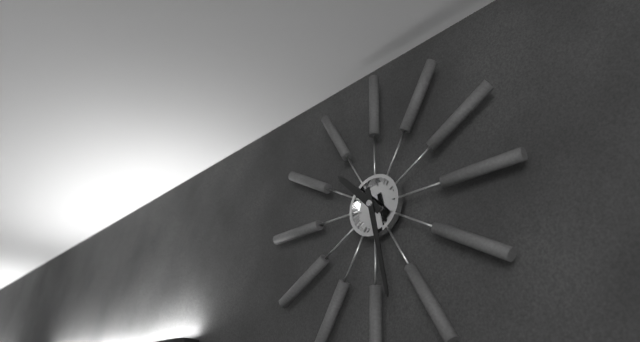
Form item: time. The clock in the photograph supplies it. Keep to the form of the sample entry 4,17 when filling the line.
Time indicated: 10,28
